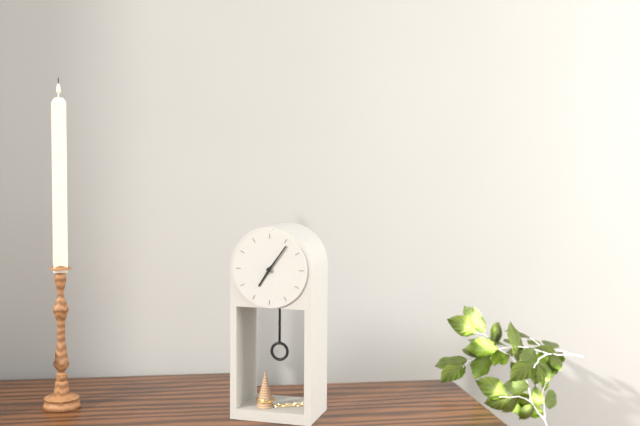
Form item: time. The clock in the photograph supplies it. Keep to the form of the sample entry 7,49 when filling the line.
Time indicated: 7,06
